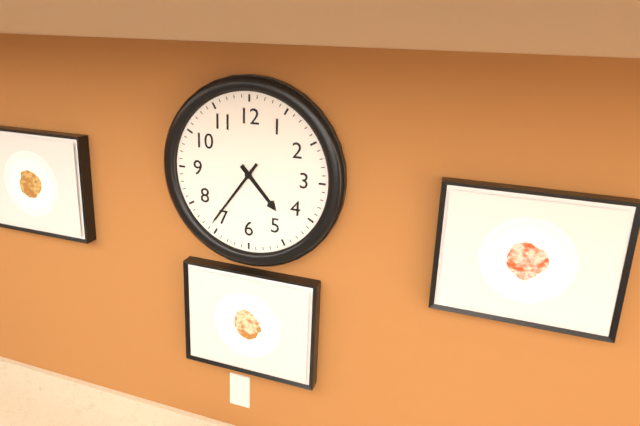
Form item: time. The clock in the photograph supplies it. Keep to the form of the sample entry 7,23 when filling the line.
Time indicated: 4,36
